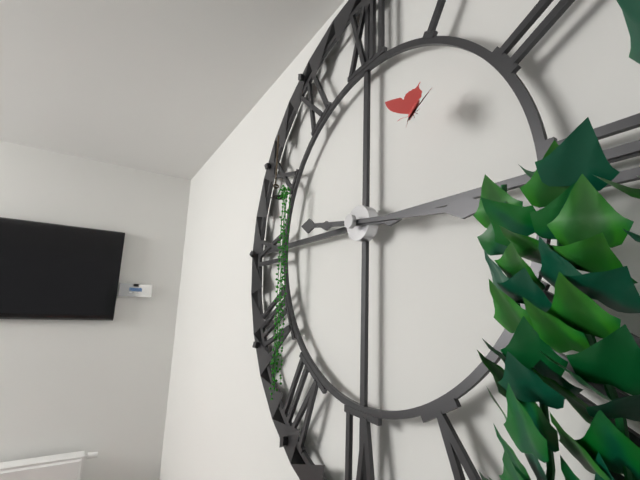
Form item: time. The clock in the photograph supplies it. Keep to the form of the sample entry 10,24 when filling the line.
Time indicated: 9,16
